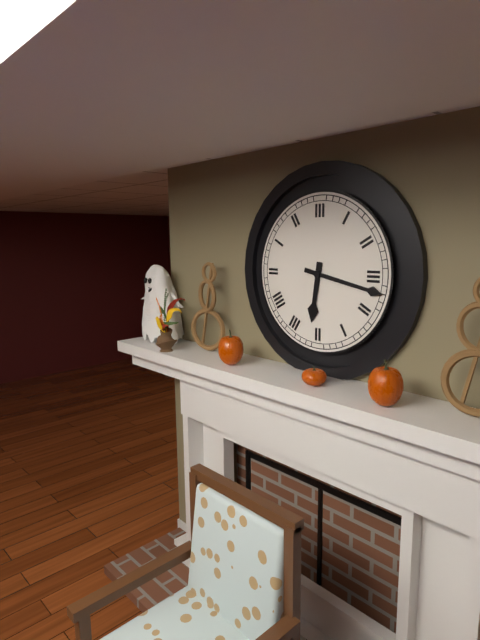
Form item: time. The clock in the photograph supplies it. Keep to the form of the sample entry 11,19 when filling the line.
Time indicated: 6,17
